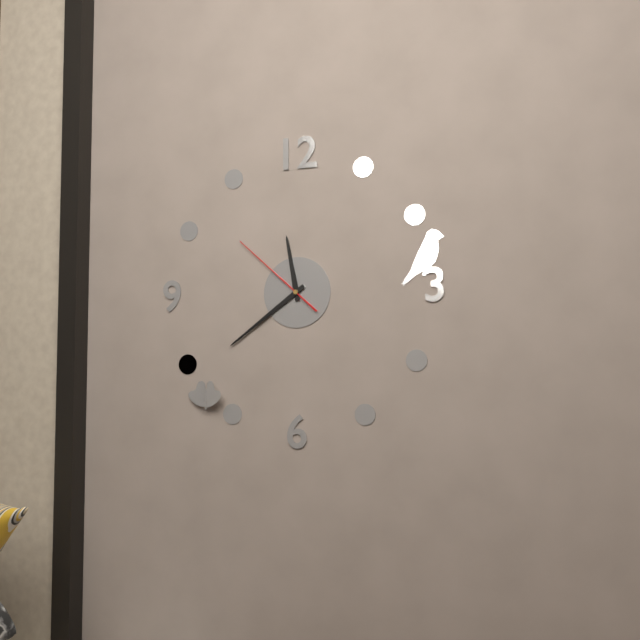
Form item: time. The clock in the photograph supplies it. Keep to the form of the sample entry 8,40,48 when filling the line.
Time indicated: 11,39,52
